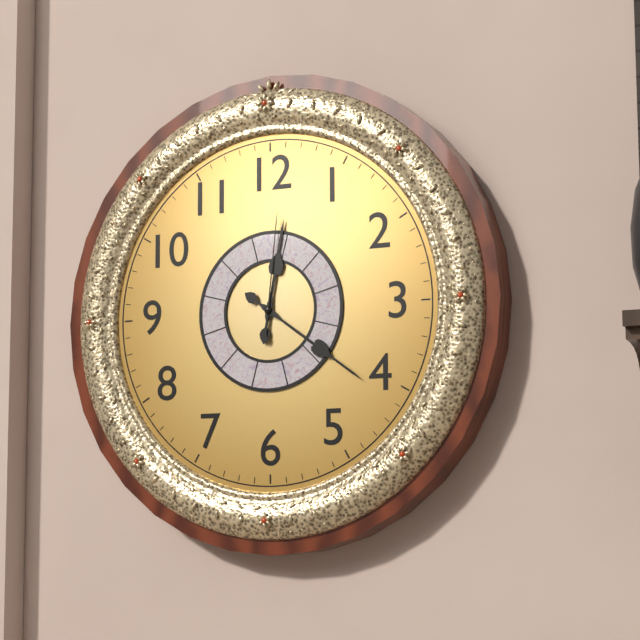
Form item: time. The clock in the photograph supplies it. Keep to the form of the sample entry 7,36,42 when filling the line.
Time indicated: 12,21,01
